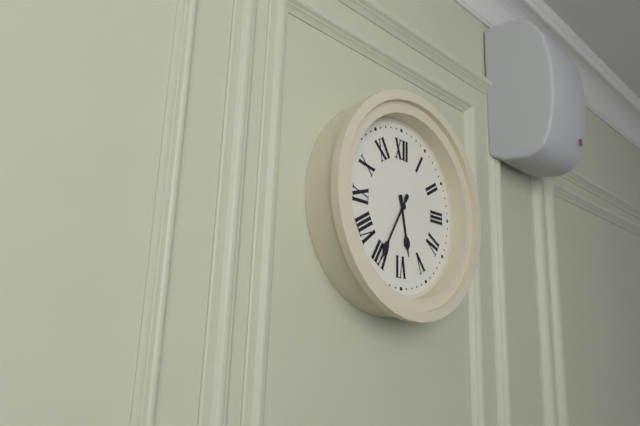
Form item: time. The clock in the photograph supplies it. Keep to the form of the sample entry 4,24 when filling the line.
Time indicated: 5,35
